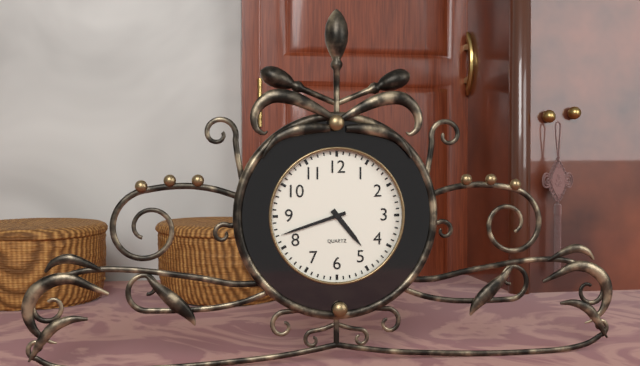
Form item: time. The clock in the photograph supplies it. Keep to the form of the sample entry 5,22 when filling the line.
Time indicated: 4,42
